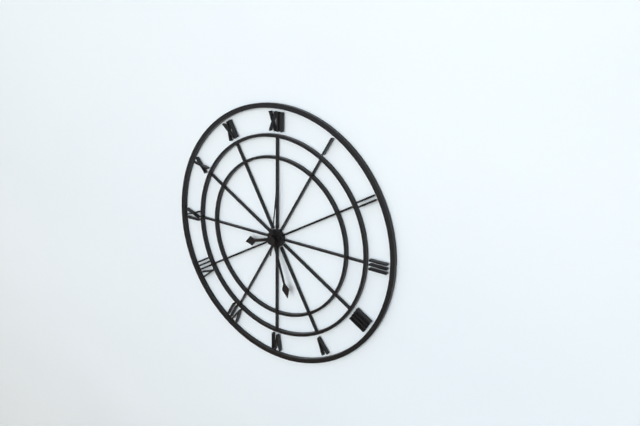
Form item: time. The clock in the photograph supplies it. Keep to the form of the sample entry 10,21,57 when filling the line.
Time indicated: 8,27,01
